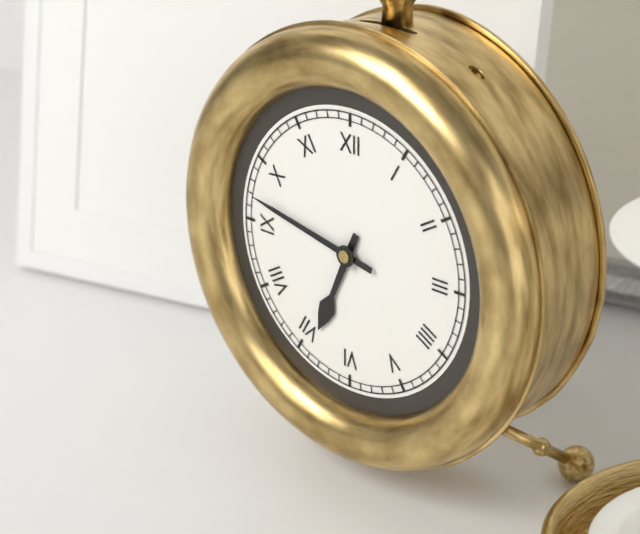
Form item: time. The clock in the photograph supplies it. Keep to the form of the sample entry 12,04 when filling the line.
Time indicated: 6,47
